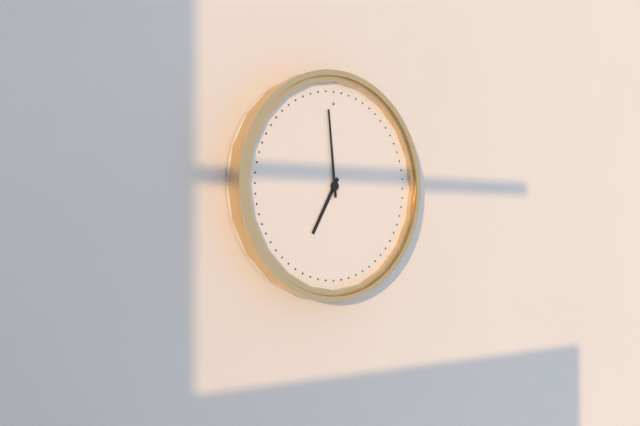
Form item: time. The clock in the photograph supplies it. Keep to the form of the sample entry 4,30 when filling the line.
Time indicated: 6,59
